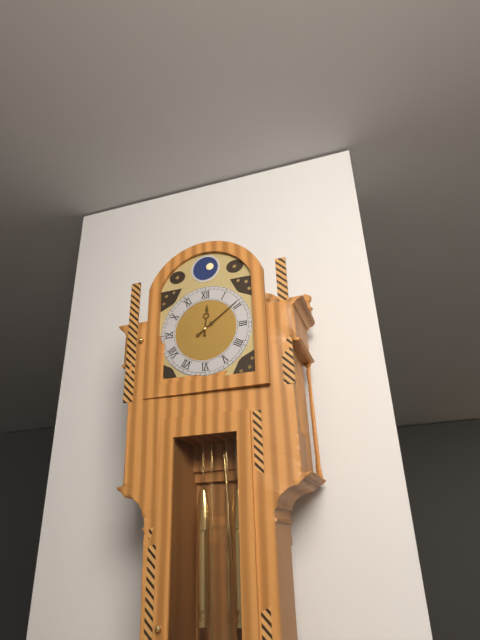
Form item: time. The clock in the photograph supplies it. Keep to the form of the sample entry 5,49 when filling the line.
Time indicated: 12,09
